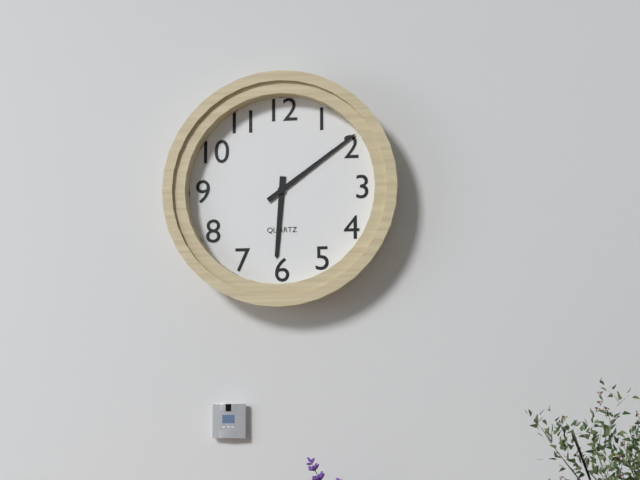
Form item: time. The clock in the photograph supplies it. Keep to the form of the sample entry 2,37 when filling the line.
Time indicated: 6,09
